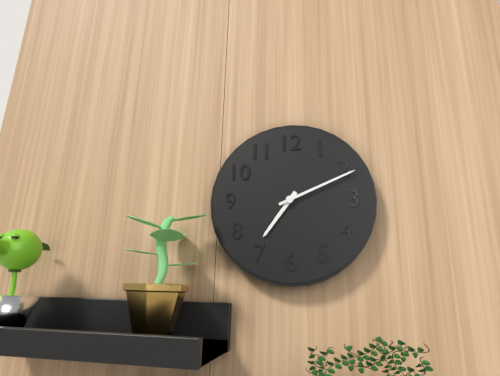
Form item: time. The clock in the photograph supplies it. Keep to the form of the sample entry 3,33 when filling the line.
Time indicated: 7,11
